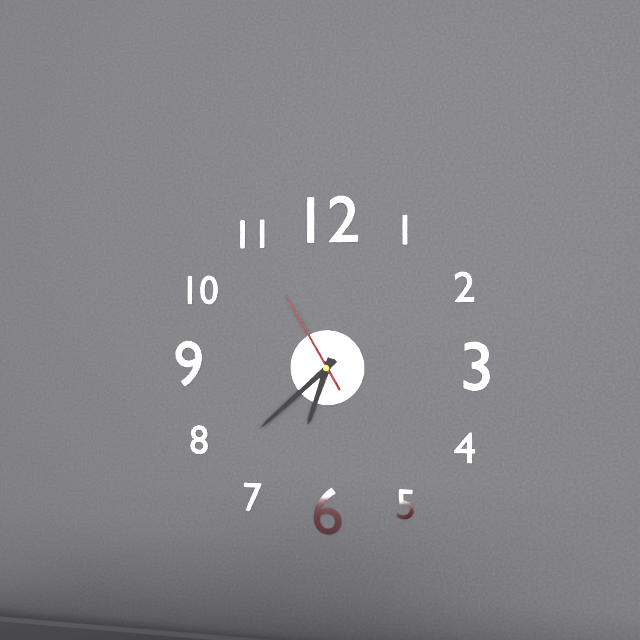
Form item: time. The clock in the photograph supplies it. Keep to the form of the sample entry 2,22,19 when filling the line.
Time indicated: 6,38,55
